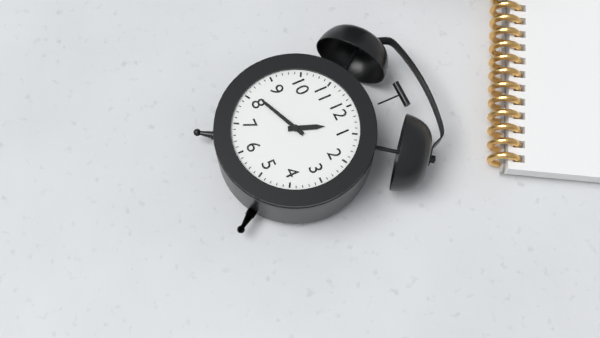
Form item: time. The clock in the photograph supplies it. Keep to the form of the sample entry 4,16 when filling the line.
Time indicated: 12,41
